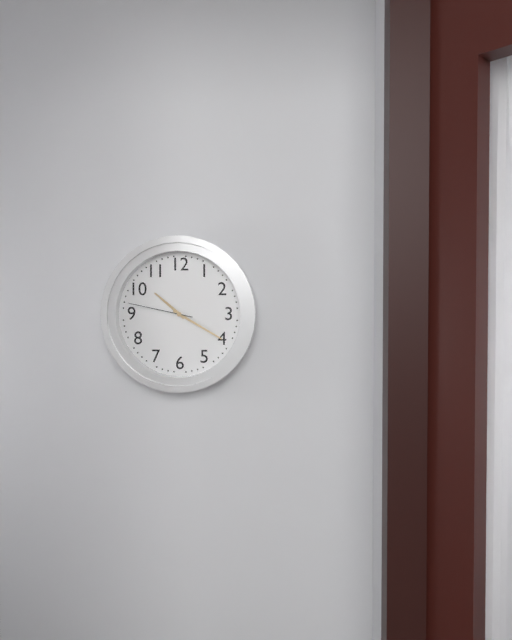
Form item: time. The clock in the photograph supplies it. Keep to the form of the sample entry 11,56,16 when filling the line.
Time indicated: 10,20,47
